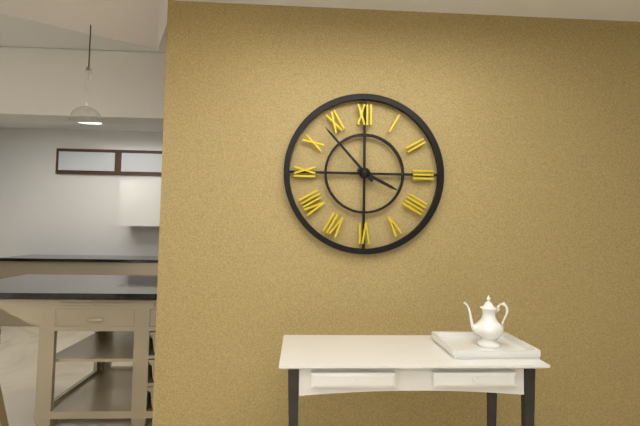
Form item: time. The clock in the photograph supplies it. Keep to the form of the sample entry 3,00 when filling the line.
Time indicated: 3,53
